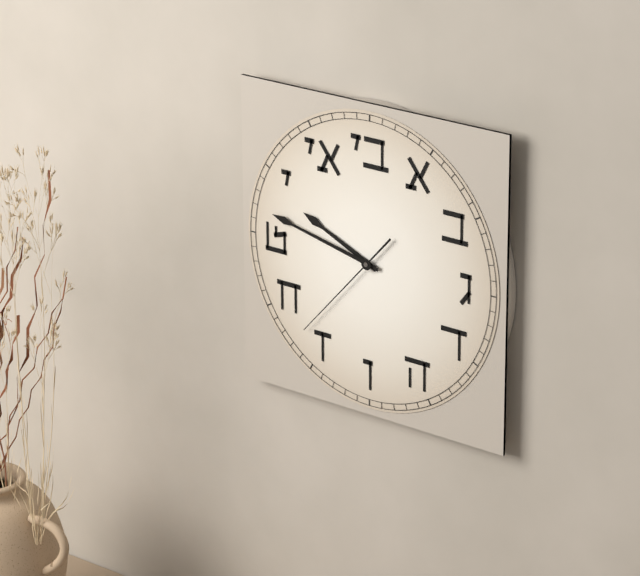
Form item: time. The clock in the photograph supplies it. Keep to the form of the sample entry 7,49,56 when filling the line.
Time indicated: 9,47,37
